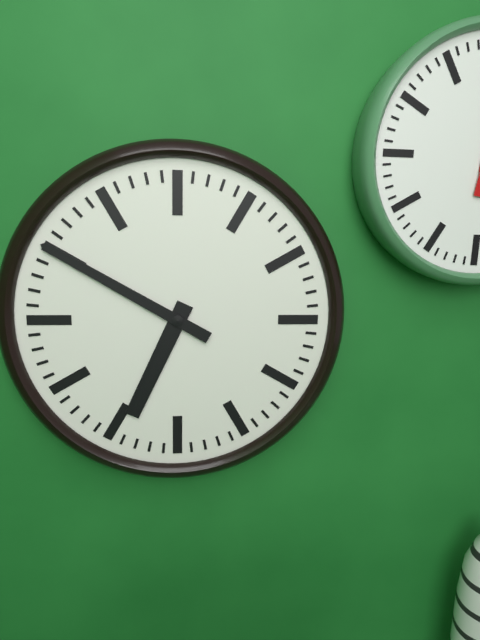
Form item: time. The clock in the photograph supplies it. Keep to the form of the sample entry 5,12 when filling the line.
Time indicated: 6,50
